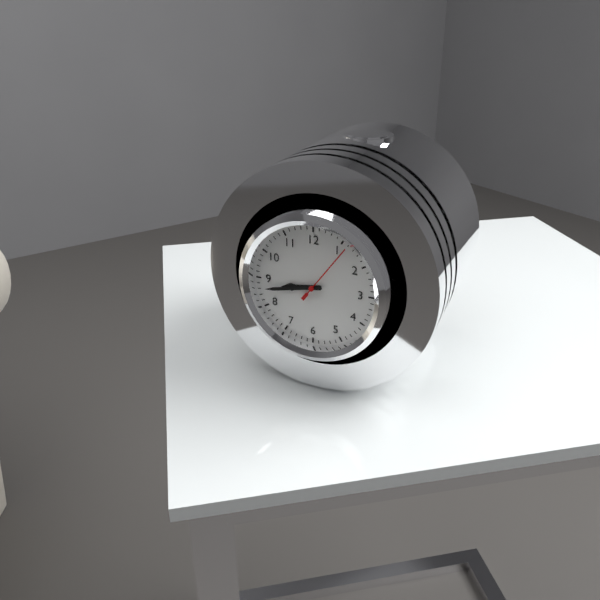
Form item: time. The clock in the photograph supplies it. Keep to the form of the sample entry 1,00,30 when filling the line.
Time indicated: 8,43,06
